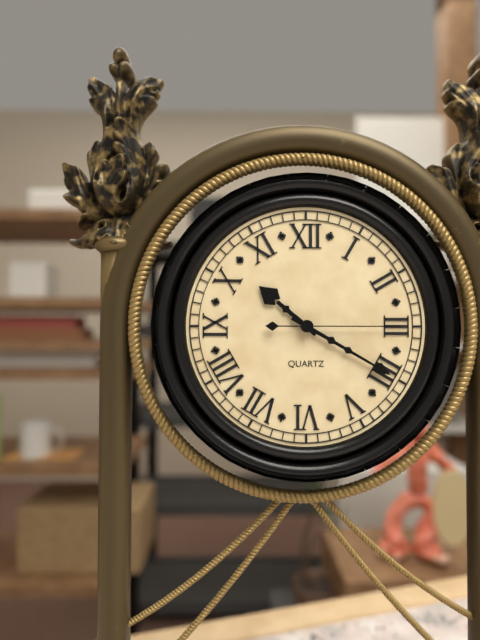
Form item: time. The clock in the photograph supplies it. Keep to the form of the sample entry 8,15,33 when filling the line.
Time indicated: 10,20,15
